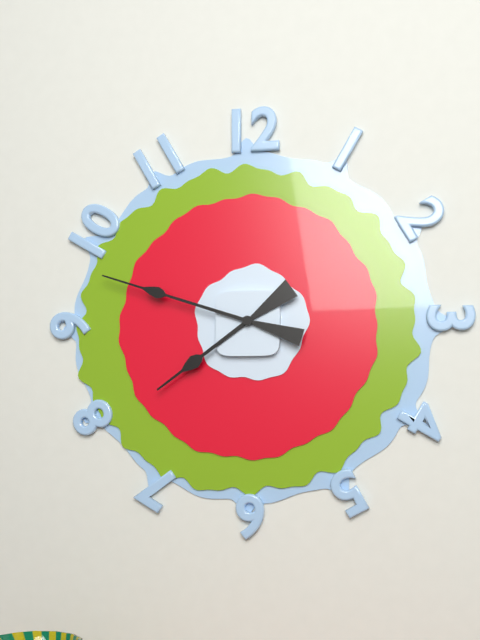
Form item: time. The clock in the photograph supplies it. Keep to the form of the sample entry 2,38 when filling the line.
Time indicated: 7,48
